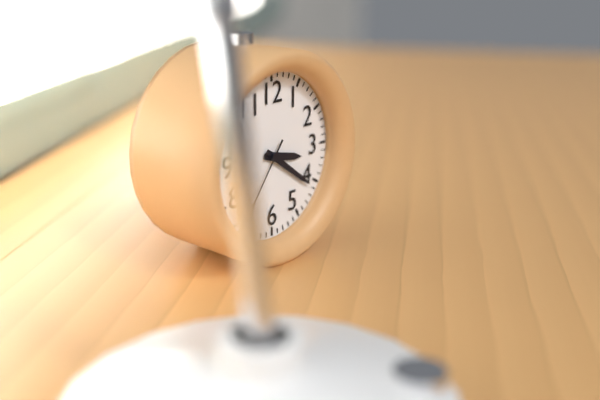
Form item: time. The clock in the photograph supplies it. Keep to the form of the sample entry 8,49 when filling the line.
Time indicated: 3,21
